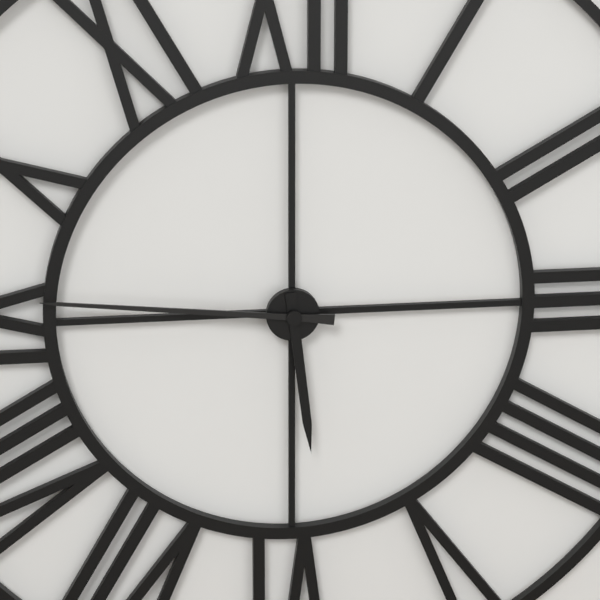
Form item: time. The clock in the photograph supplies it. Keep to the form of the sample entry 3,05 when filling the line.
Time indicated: 5,46
